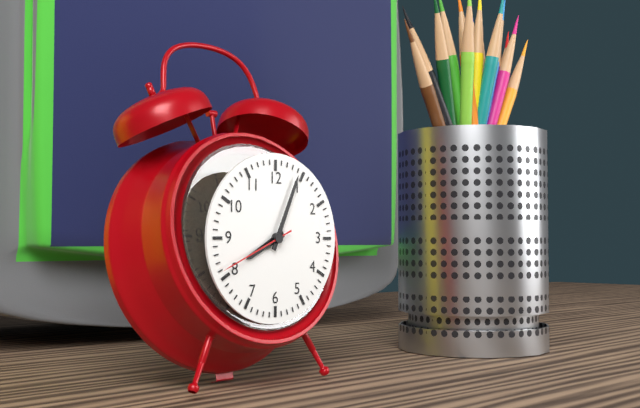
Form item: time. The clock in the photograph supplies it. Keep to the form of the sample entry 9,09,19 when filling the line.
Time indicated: 8,04,41
